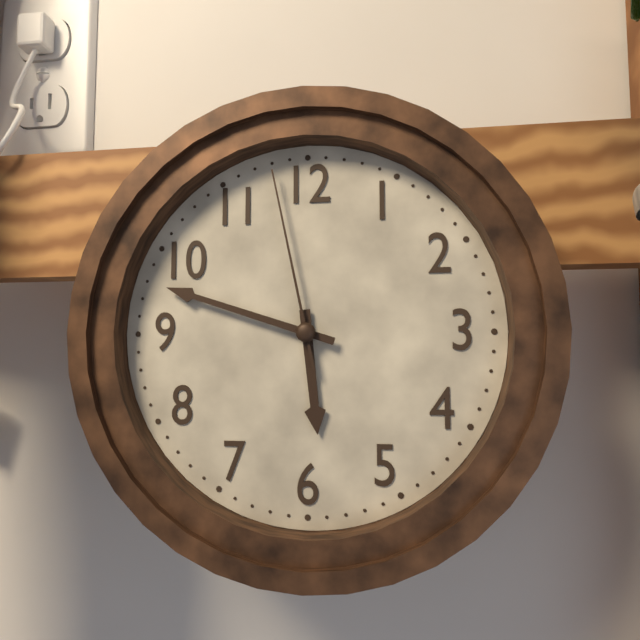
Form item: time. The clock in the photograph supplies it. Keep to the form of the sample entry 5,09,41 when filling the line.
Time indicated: 5,48,58
